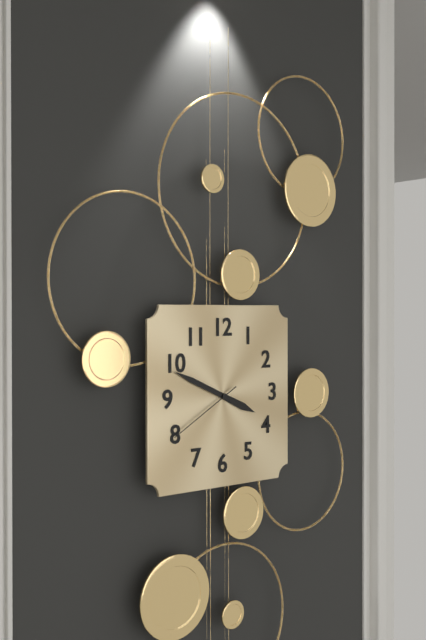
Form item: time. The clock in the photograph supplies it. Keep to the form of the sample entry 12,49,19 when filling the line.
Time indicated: 3,49,40
